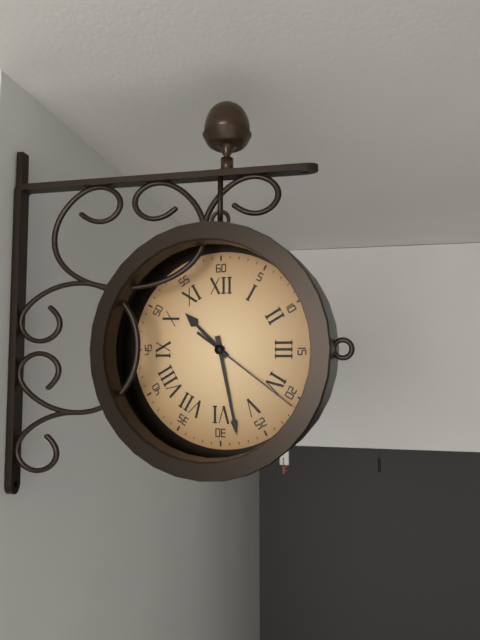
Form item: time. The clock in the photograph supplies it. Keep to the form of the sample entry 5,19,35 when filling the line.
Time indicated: 10,28,21
